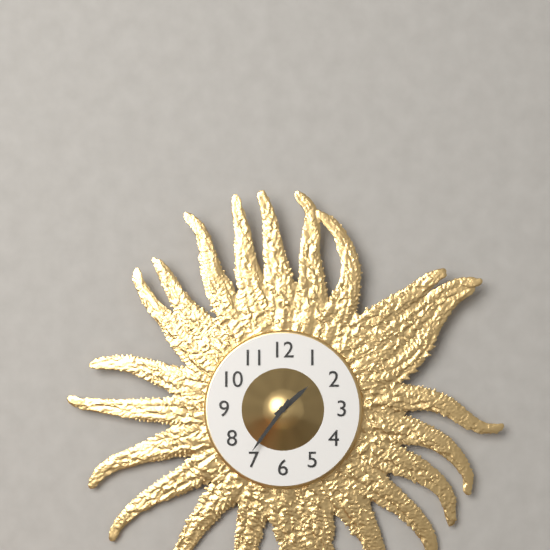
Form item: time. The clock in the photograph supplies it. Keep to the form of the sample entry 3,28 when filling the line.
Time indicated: 1,36
